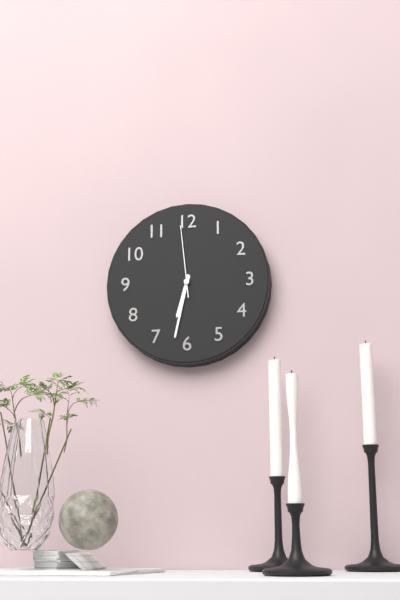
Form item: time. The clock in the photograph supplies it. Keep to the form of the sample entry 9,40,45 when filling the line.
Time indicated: 6,32,59
